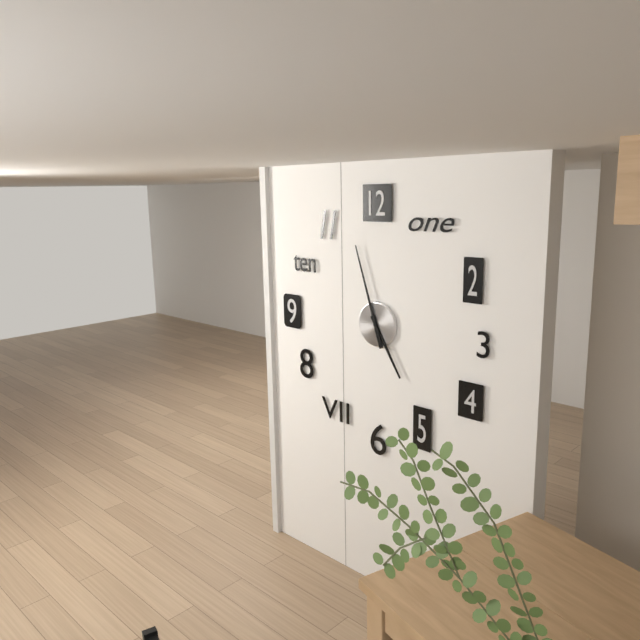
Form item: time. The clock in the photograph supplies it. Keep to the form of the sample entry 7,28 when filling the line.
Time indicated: 4,57
